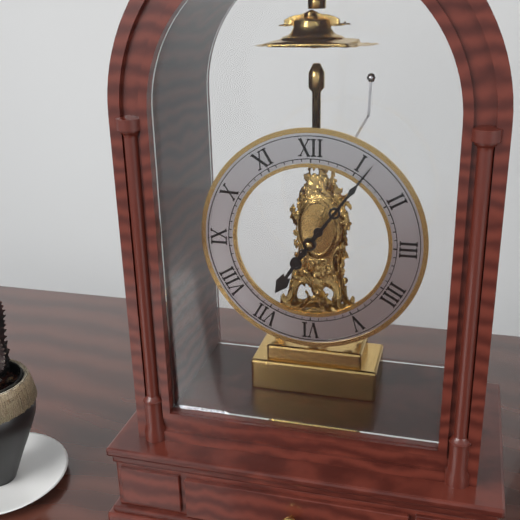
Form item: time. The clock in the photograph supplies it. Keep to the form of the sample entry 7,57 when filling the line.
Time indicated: 7,06
